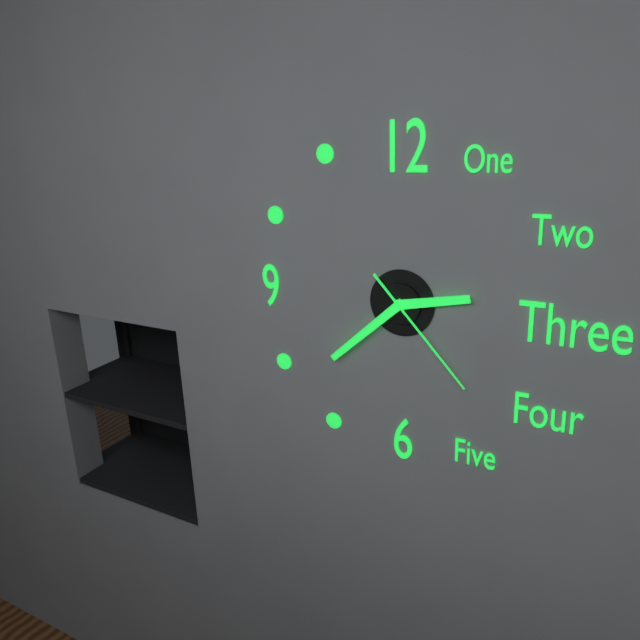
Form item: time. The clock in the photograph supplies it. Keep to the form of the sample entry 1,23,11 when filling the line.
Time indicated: 2,38,23
